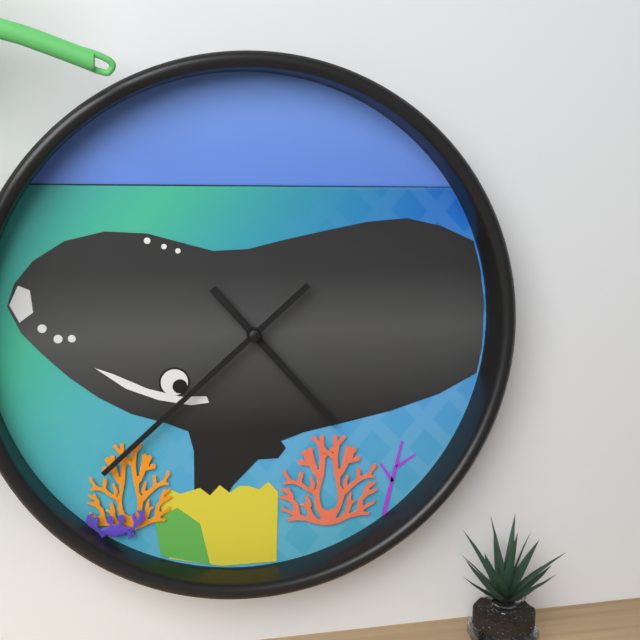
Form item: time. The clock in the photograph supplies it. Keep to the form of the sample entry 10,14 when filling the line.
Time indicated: 4,38
